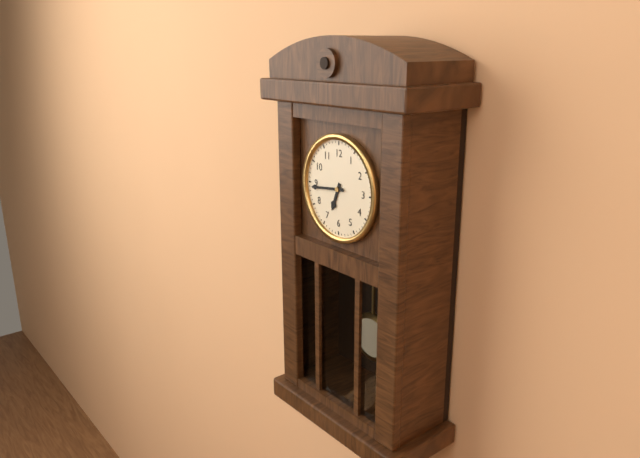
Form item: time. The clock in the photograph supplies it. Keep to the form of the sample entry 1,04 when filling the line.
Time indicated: 6,44
